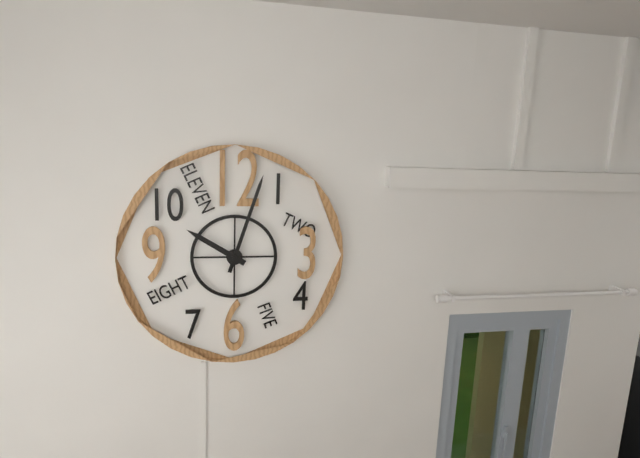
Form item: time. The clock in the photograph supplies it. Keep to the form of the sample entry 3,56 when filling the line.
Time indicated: 10,03
